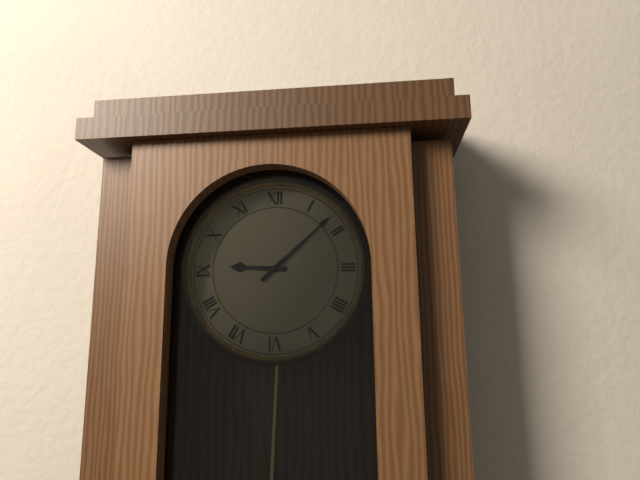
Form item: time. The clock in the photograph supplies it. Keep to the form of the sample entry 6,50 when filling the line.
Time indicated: 9,08
